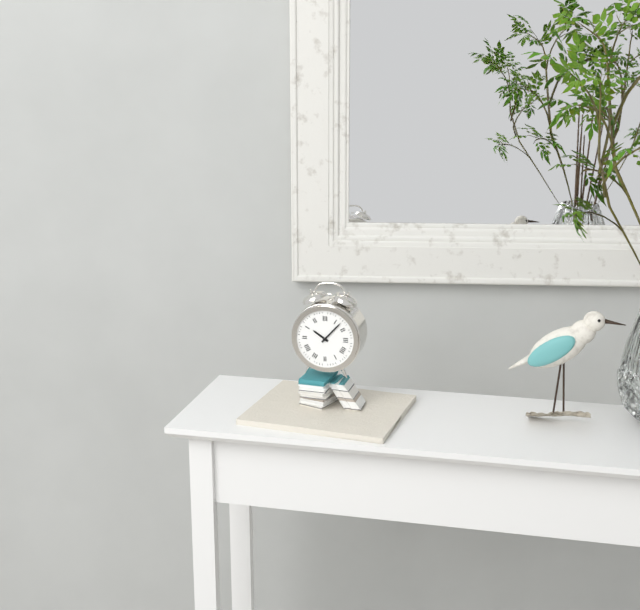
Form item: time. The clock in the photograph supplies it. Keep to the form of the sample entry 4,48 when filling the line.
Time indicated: 10,07
